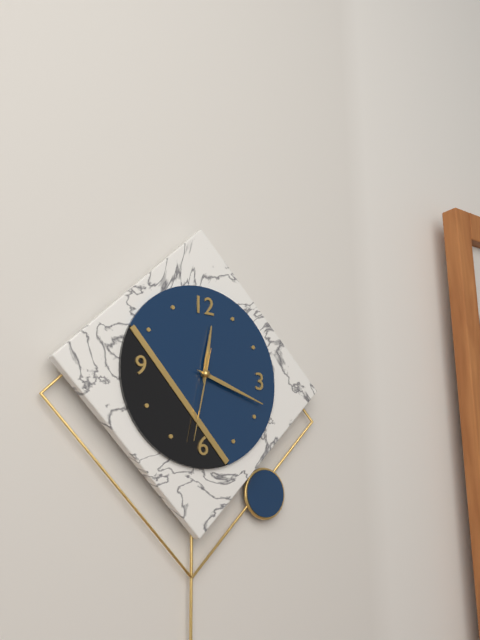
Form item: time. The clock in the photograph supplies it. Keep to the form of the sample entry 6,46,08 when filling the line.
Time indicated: 12,18,32
